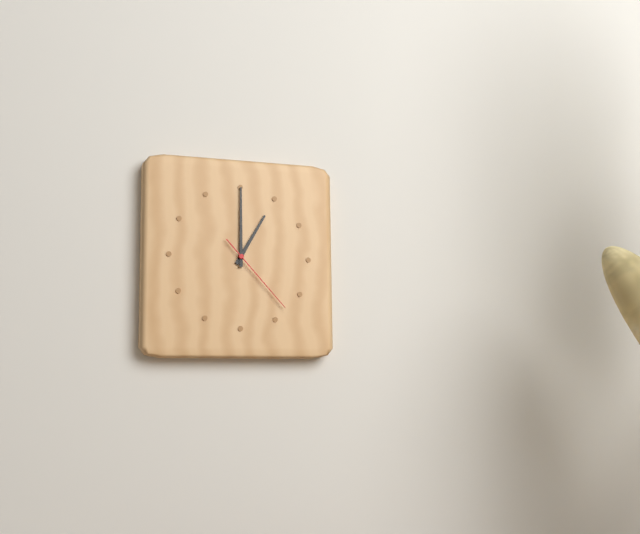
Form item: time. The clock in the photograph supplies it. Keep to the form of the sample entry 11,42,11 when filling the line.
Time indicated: 1,00,23
